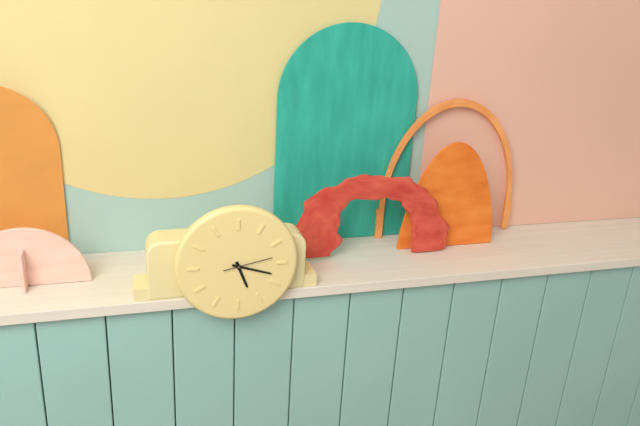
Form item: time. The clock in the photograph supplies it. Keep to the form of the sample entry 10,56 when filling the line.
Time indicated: 5,18
